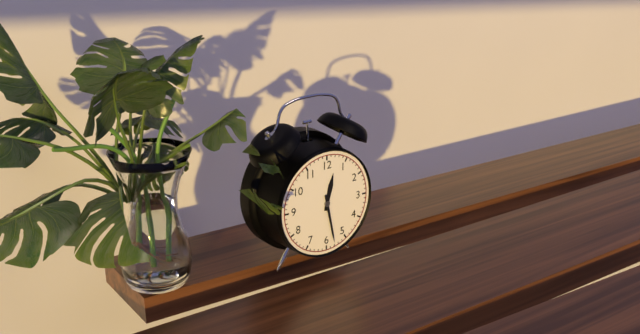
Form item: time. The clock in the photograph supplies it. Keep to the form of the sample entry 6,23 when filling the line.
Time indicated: 12,28
